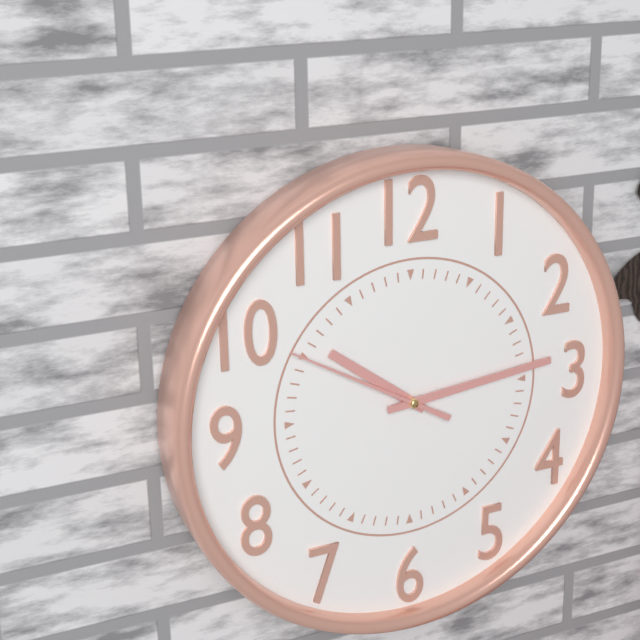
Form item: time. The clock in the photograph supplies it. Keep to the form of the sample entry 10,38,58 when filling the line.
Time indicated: 10,14,50
